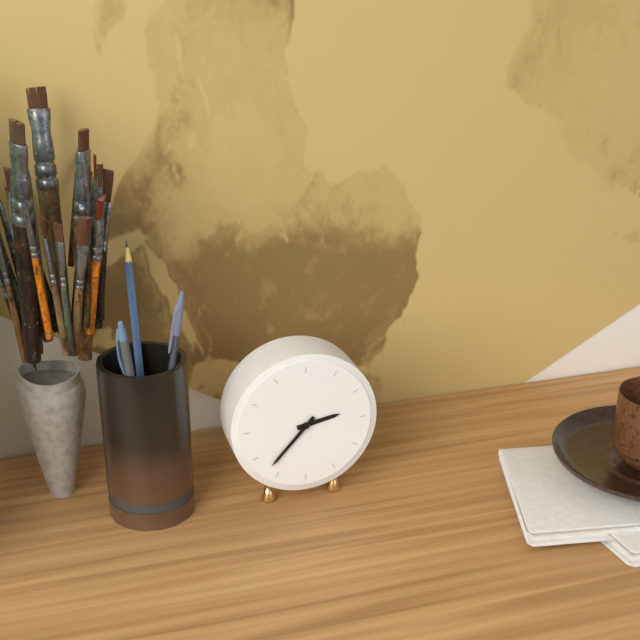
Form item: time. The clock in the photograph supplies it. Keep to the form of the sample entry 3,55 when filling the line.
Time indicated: 2,37
